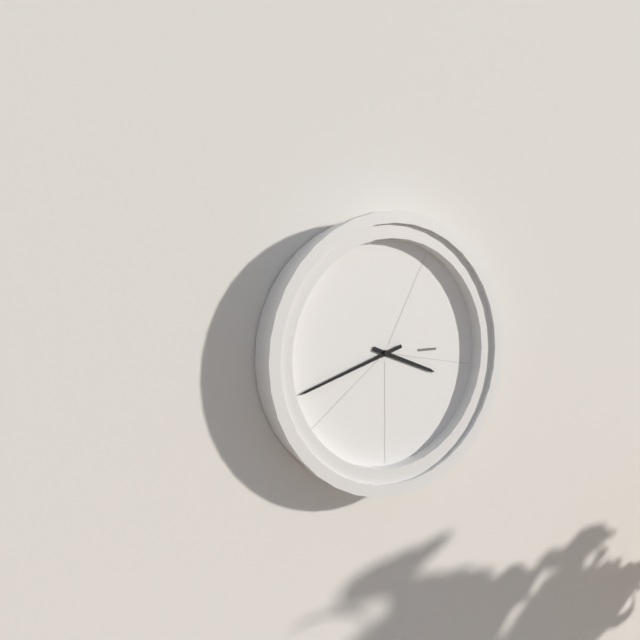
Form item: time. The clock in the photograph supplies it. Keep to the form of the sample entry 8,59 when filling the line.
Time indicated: 3,42
